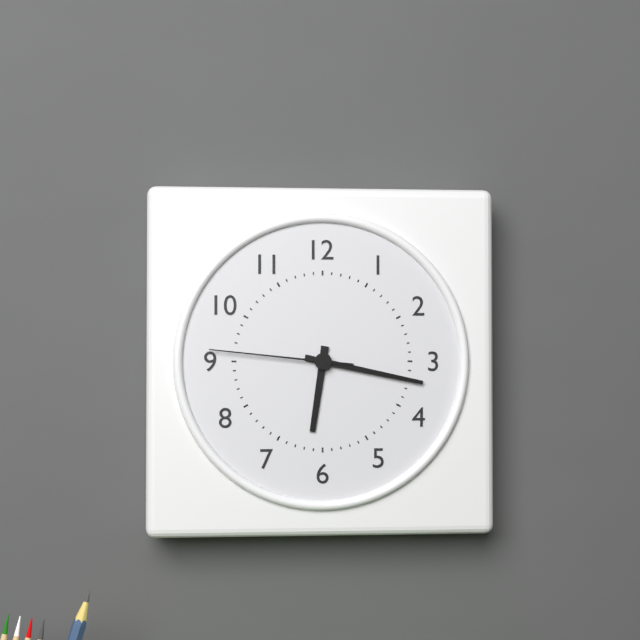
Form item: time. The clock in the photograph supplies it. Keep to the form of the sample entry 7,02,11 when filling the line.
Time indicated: 6,17,46
